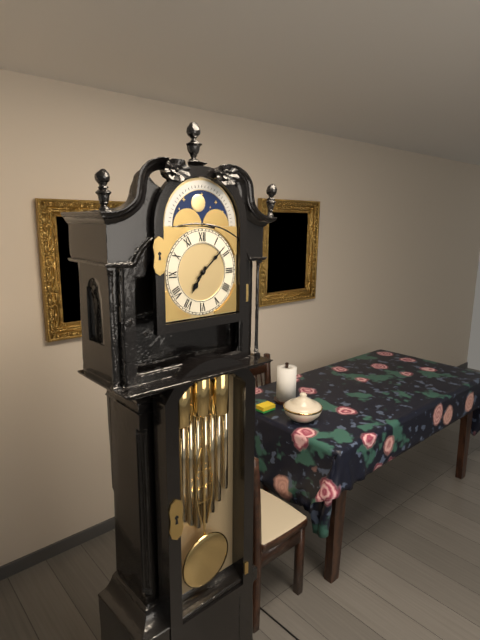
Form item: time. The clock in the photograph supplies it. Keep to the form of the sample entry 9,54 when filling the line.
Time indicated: 7,08
